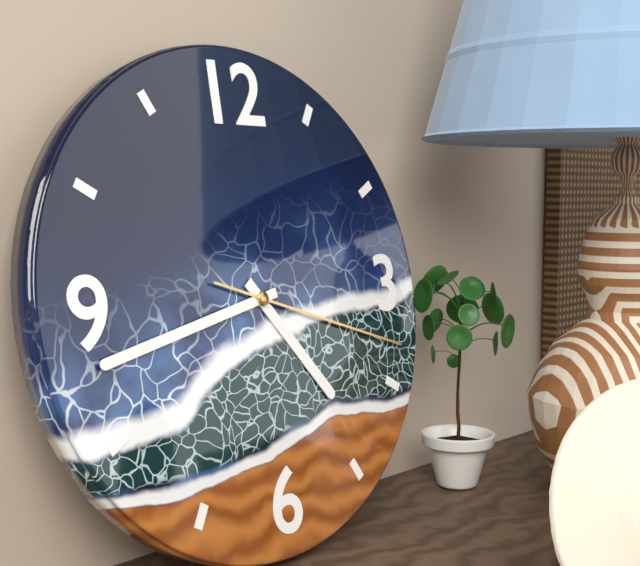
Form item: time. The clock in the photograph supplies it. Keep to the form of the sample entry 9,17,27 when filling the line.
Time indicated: 4,43,18
